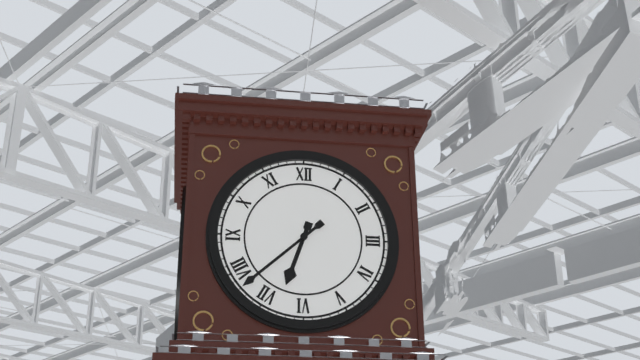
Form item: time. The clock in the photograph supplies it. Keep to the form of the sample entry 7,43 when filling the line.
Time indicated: 6,38
